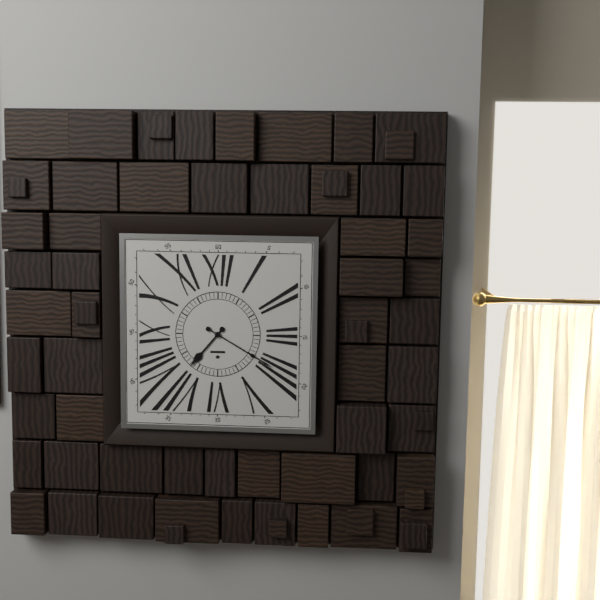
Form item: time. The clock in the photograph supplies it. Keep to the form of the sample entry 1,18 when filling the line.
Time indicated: 7,20
